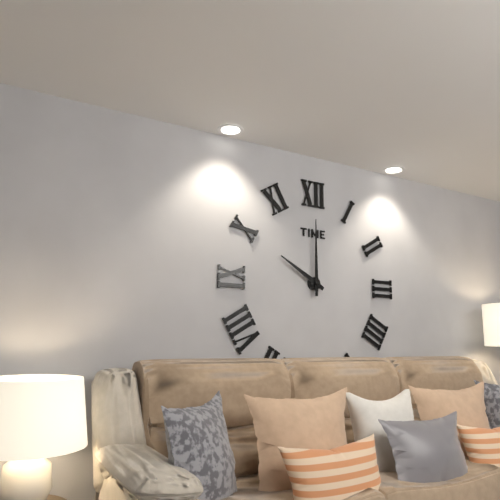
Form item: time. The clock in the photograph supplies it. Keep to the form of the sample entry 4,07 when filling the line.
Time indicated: 10,00
